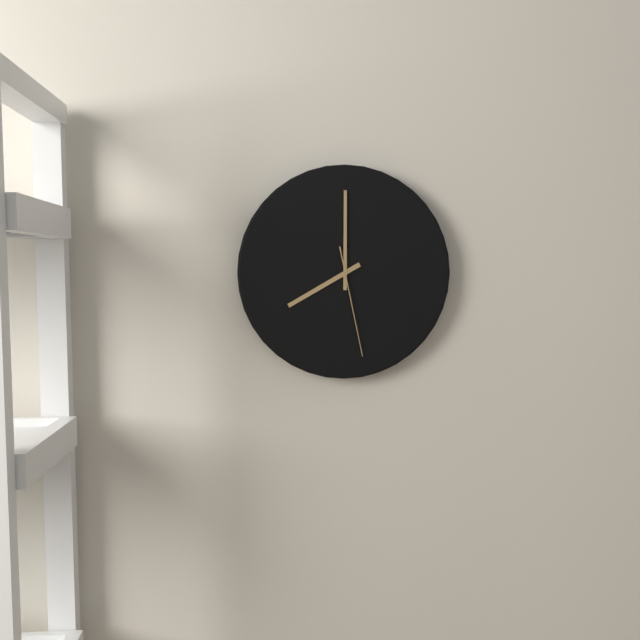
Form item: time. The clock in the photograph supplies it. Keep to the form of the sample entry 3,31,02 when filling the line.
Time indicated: 8,00,28
